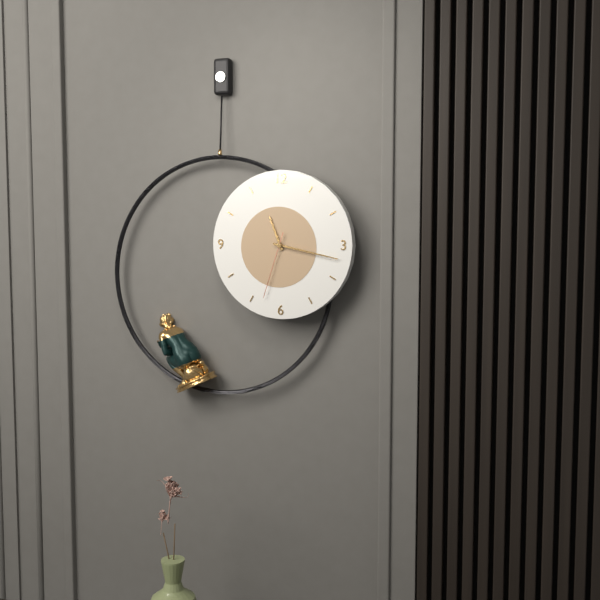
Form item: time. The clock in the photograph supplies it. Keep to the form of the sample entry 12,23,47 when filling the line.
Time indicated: 11,17,33
